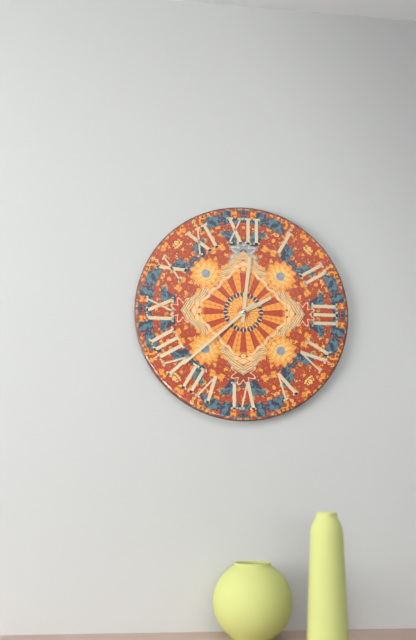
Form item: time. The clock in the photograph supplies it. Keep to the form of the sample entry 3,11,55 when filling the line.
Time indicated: 2,01,38
